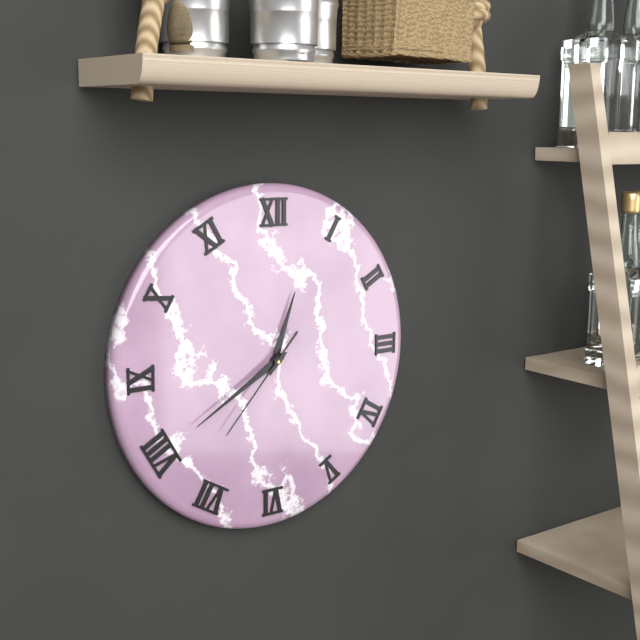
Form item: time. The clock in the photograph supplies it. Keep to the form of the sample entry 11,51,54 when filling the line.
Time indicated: 12,40,37
